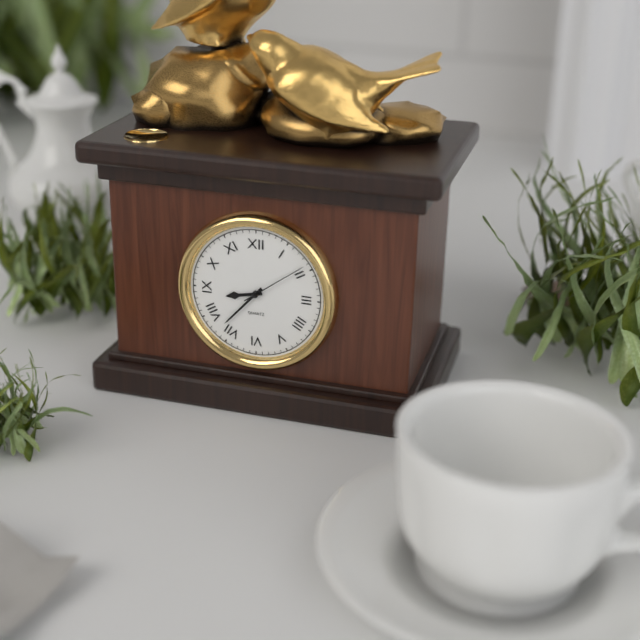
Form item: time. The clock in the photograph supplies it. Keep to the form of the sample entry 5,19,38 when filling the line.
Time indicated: 8,37,09
